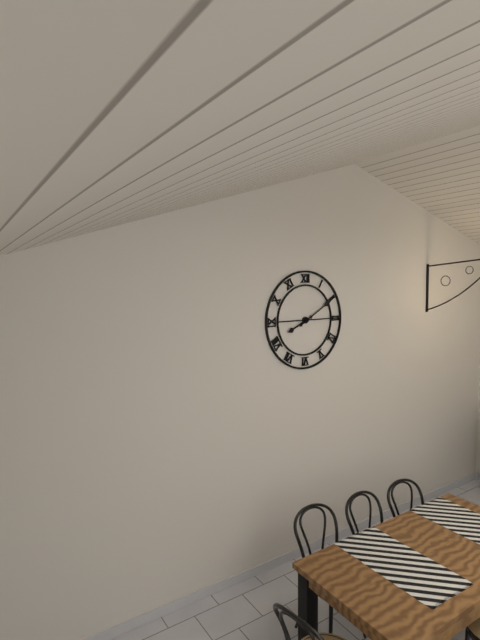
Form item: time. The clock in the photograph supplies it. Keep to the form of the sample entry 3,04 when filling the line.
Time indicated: 8,10
